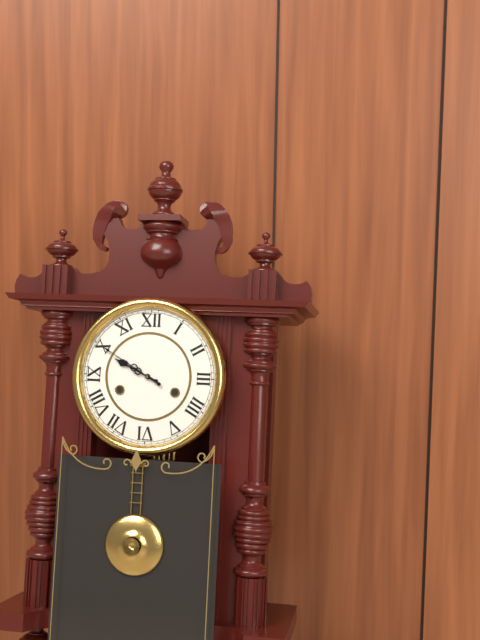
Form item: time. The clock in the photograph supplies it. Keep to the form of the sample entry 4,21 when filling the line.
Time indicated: 9,50
